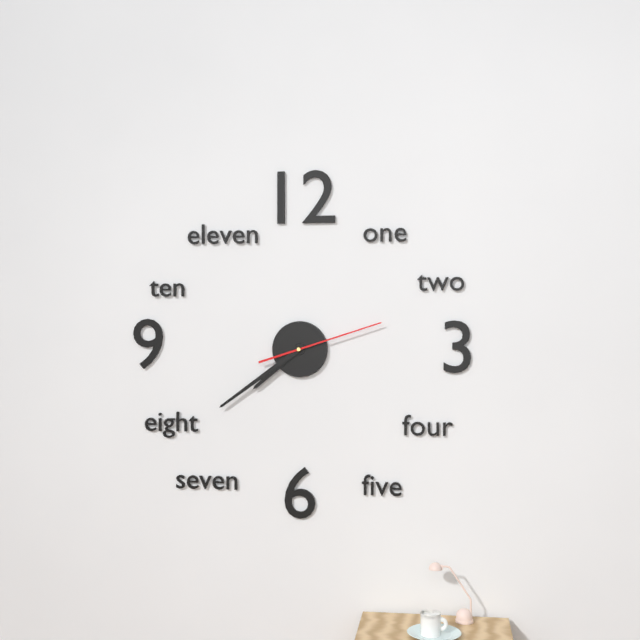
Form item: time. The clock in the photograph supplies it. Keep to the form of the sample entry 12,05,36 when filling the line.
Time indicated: 7,39,12
